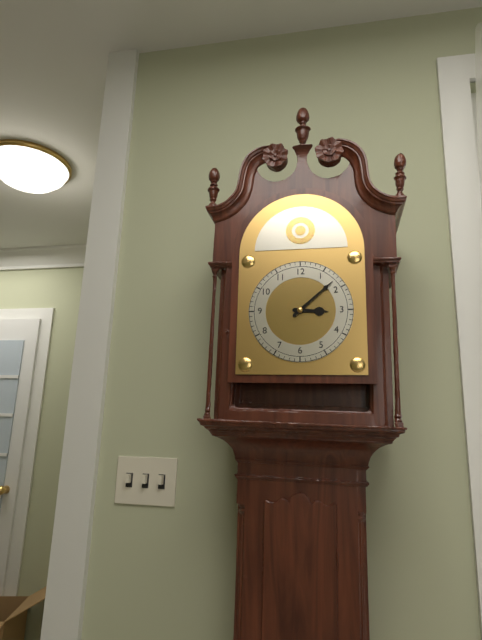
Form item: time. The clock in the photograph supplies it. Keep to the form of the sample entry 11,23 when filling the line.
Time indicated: 3,08
